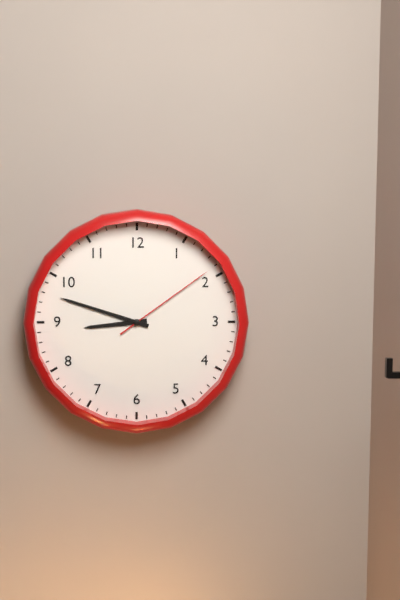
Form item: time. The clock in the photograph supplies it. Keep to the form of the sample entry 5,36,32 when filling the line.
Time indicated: 8,48,09
